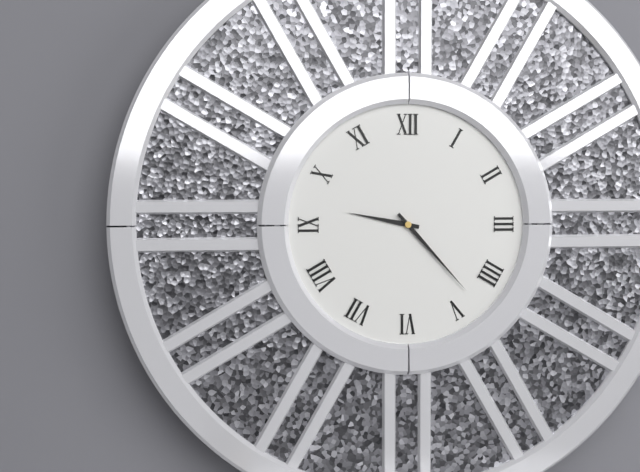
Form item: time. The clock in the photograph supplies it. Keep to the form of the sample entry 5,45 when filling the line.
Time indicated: 9,23
